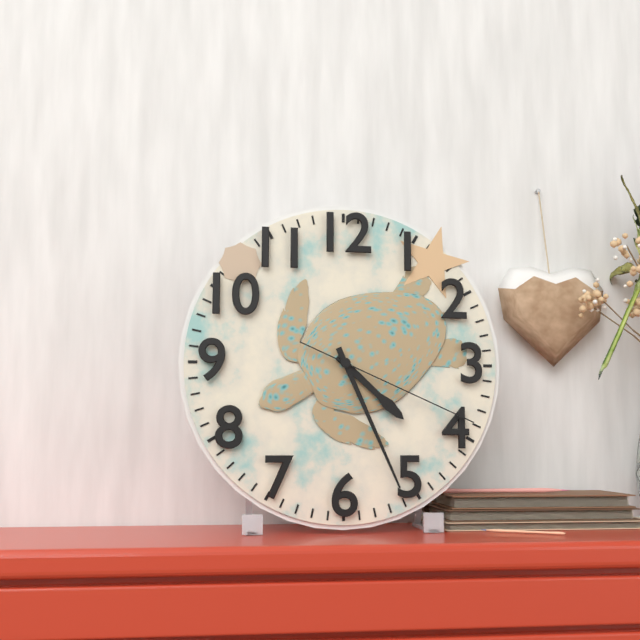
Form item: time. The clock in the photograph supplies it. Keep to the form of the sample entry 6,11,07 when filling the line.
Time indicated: 4,26,19
